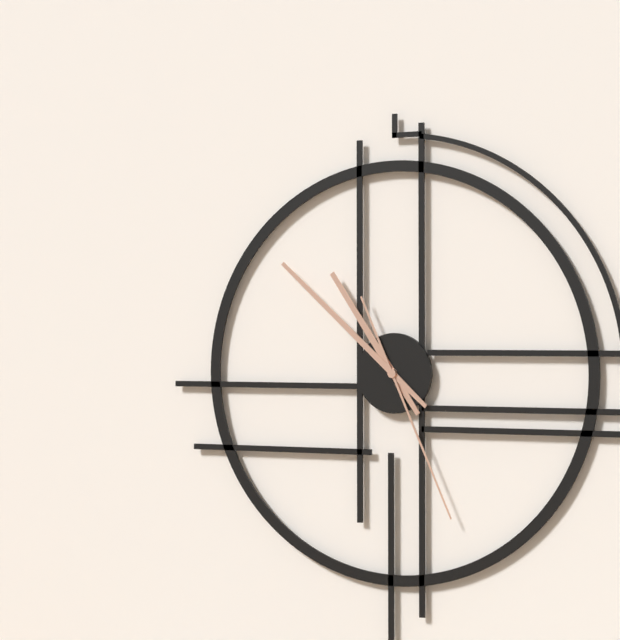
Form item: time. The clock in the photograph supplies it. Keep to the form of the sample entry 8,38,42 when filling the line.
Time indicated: 10,52,26
